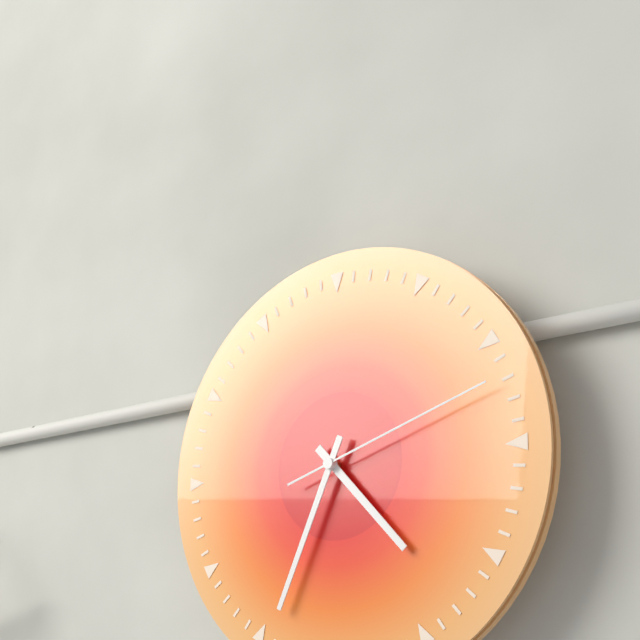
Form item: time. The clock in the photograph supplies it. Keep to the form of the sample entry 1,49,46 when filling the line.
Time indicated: 4,34,12
